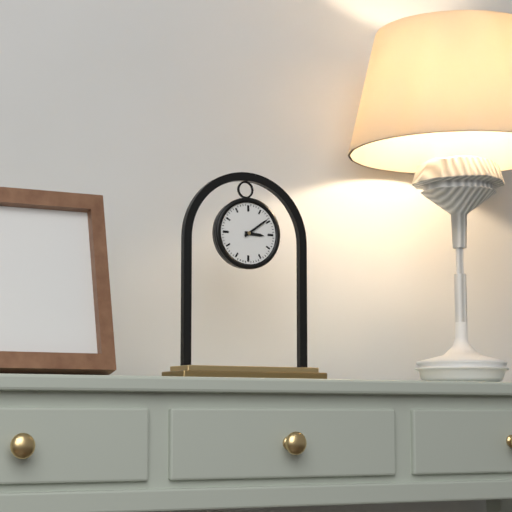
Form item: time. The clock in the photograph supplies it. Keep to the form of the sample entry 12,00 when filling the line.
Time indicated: 3,09
